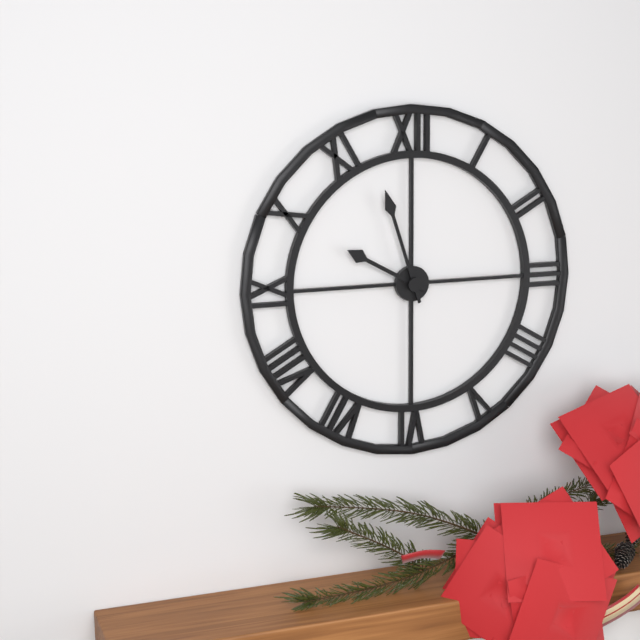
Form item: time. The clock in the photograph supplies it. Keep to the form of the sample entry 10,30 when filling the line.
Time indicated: 9,57
